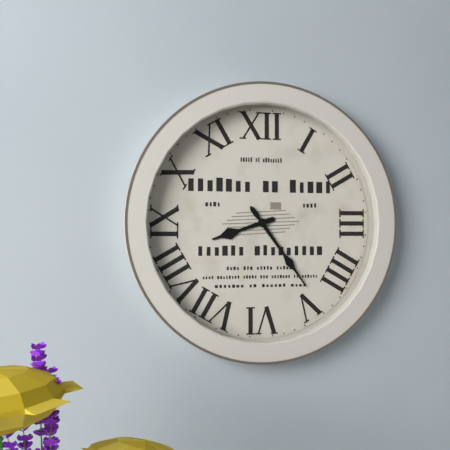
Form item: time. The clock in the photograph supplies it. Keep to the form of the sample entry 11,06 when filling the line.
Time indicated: 8,24
